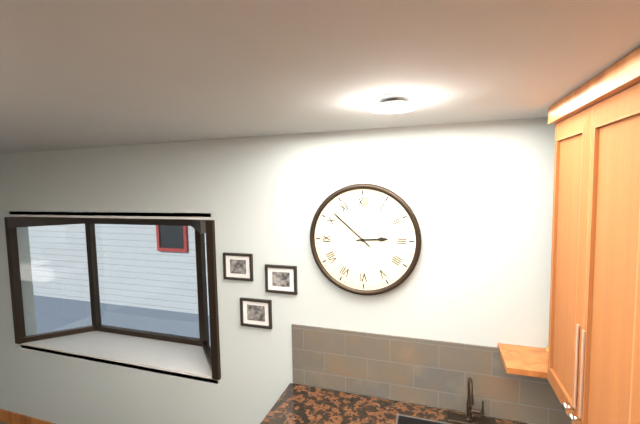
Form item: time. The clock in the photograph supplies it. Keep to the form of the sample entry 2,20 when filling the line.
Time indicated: 2,52
